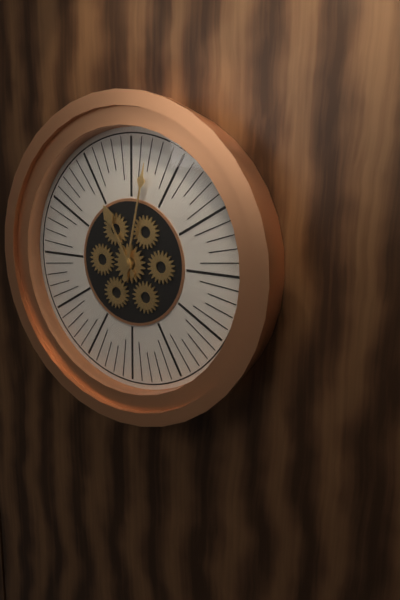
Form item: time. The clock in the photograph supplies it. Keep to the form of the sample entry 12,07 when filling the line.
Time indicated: 11,02
